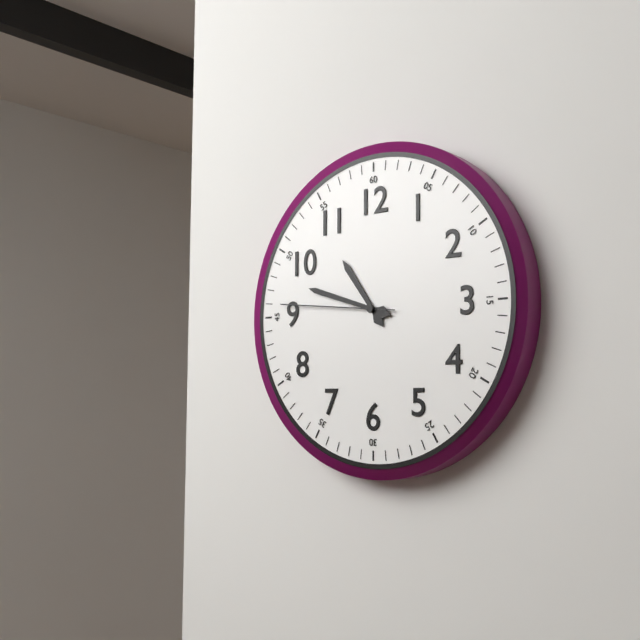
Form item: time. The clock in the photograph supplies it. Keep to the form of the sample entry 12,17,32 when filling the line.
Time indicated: 10,48,46
